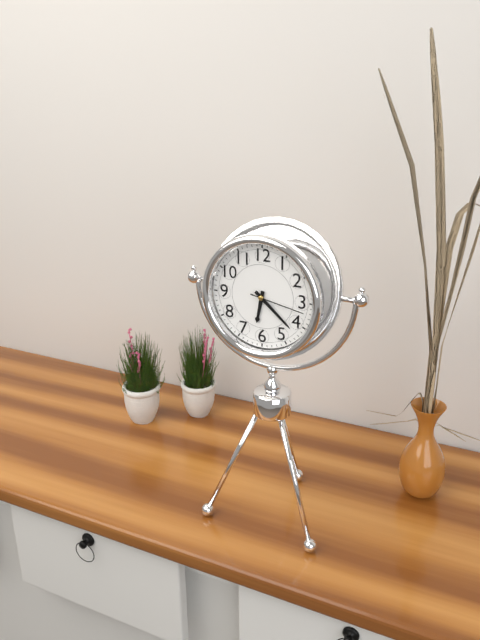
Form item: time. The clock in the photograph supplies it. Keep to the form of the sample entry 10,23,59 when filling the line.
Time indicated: 6,22,17
